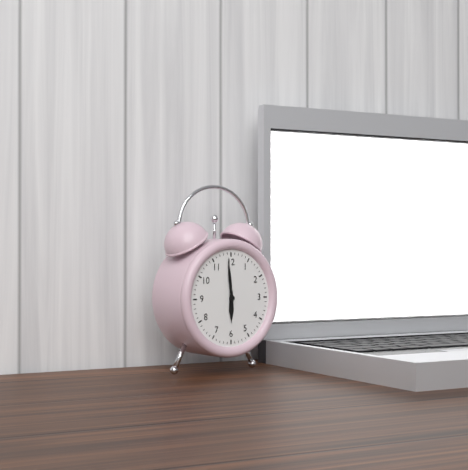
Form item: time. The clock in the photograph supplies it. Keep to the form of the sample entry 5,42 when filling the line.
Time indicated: 5,59
